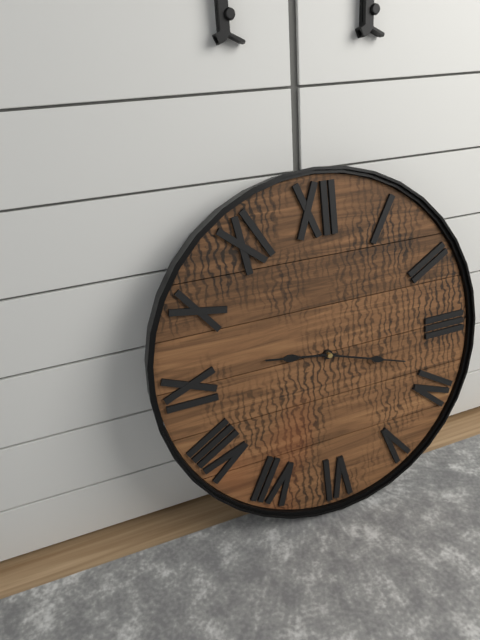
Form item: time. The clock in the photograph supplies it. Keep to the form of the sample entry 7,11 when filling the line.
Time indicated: 9,18
